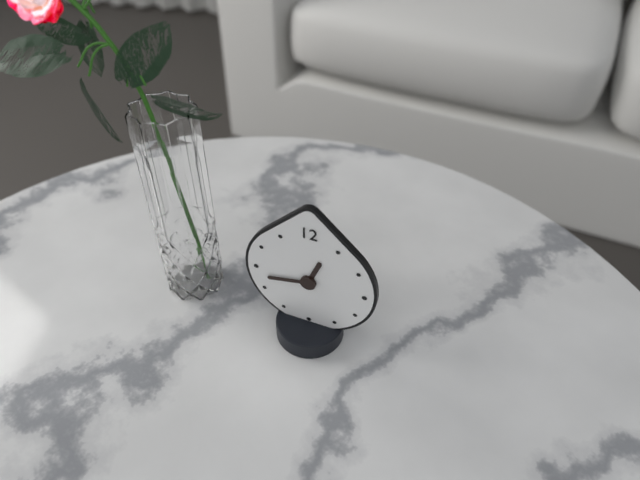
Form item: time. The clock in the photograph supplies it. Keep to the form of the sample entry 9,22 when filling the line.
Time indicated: 12,43
